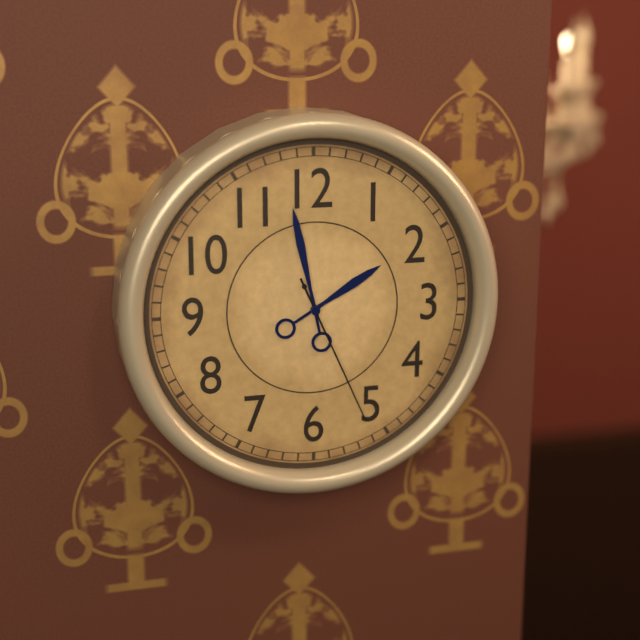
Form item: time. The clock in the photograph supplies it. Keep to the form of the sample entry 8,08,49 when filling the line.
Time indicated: 1,58,26
